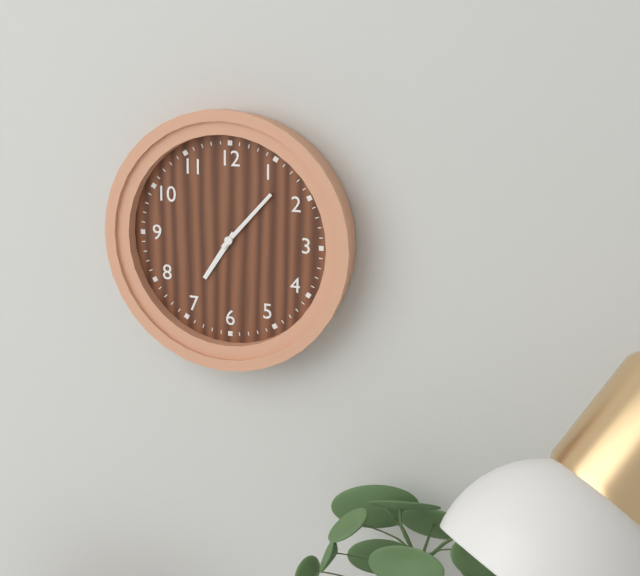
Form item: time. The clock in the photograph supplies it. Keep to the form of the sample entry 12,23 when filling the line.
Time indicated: 7,07
